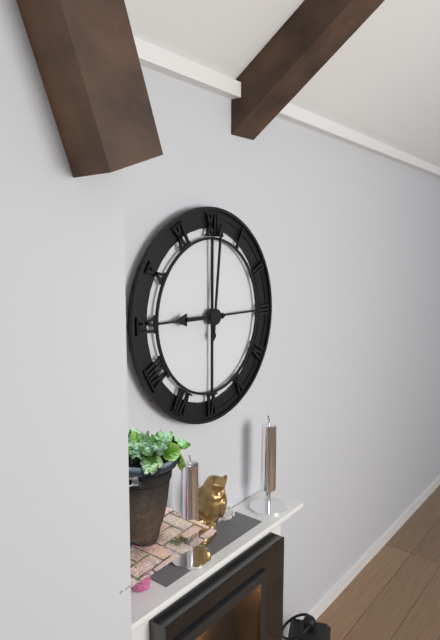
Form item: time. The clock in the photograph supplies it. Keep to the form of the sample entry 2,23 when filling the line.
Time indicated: 9,01
